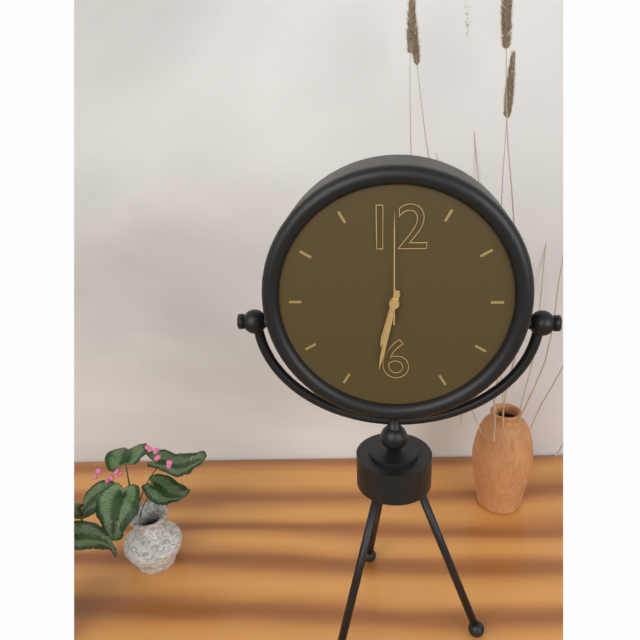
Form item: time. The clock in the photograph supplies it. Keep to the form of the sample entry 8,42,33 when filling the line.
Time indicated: 6,32,00
